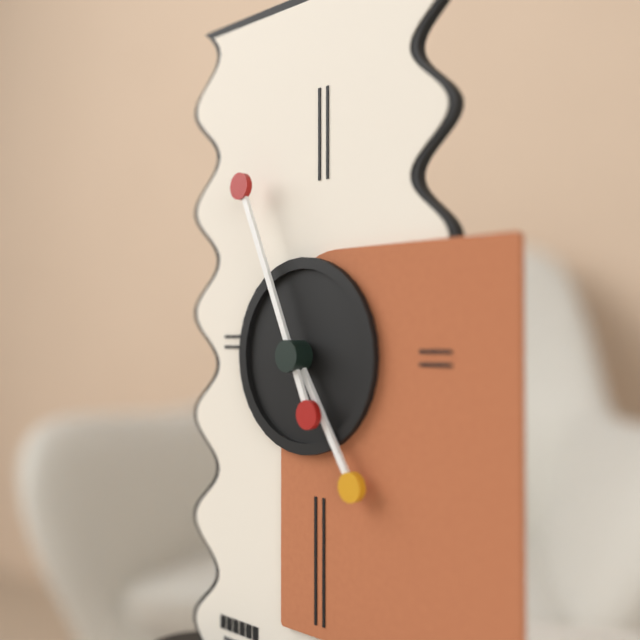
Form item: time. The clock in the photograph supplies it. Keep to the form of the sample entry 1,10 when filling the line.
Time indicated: 4,56
